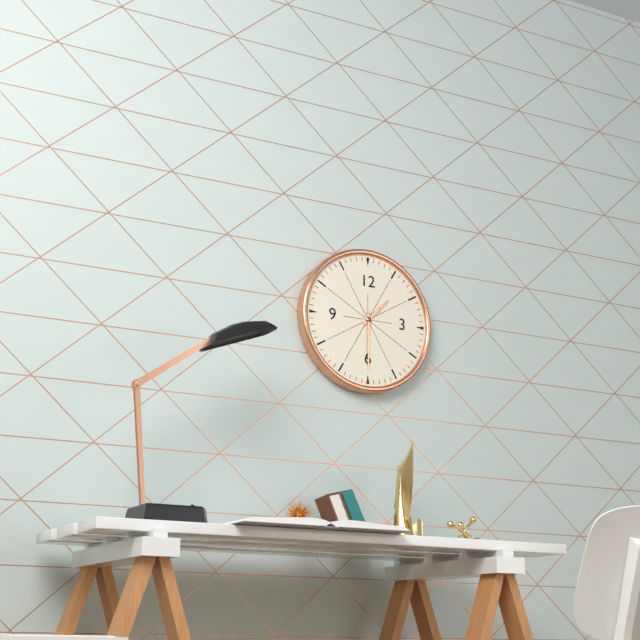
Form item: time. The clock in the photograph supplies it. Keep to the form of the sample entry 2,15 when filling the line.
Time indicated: 1,30
